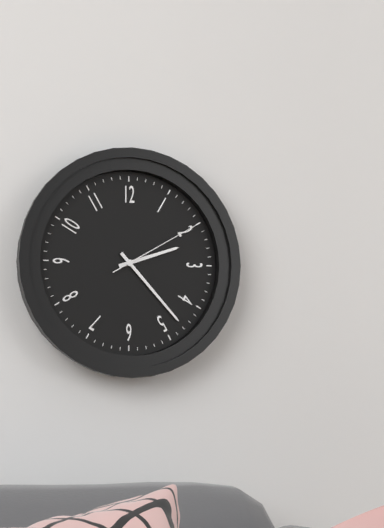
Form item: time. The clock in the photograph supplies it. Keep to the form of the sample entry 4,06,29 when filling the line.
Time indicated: 2,23,10
